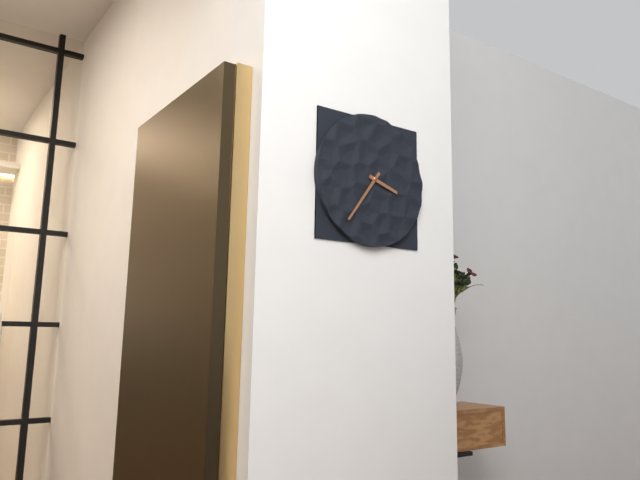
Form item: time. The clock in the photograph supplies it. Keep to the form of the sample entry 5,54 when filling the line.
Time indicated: 3,36
